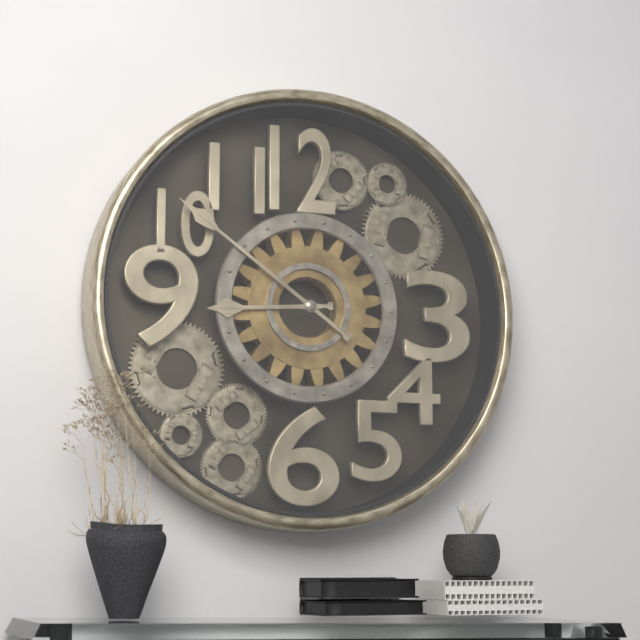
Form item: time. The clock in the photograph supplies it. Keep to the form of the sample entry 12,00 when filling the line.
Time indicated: 8,51
